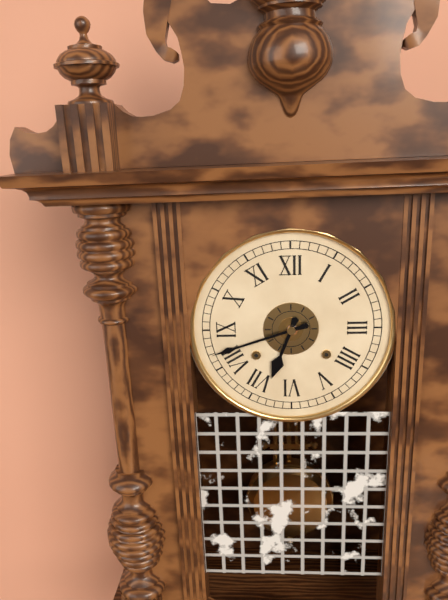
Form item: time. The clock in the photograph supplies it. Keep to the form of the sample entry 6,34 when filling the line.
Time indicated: 6,42
